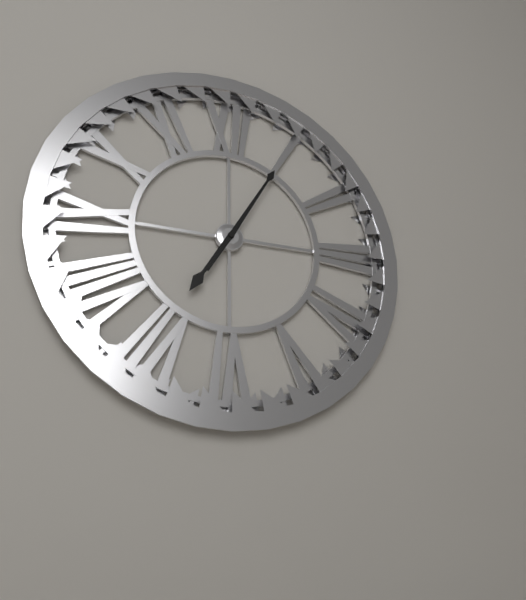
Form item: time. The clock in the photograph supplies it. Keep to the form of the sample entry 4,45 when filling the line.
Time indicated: 7,05
